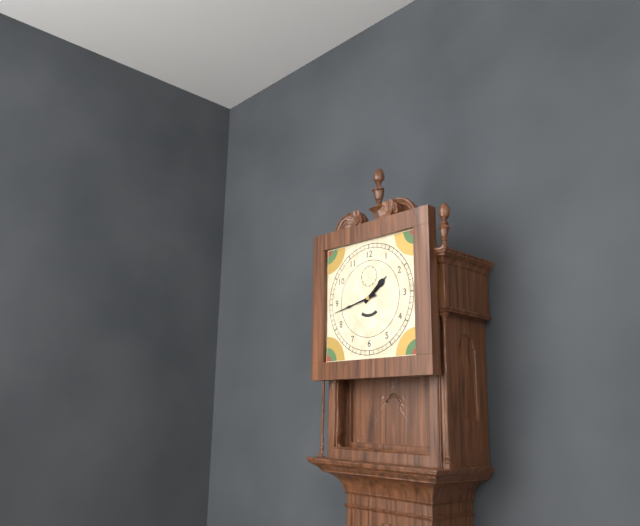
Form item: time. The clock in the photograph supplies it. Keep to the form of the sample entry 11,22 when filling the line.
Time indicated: 1,43
